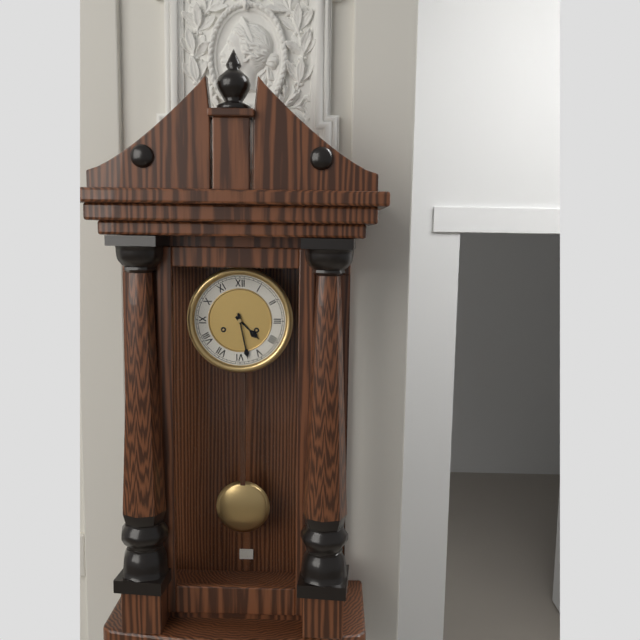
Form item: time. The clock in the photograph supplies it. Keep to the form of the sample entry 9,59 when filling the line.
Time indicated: 4,28
